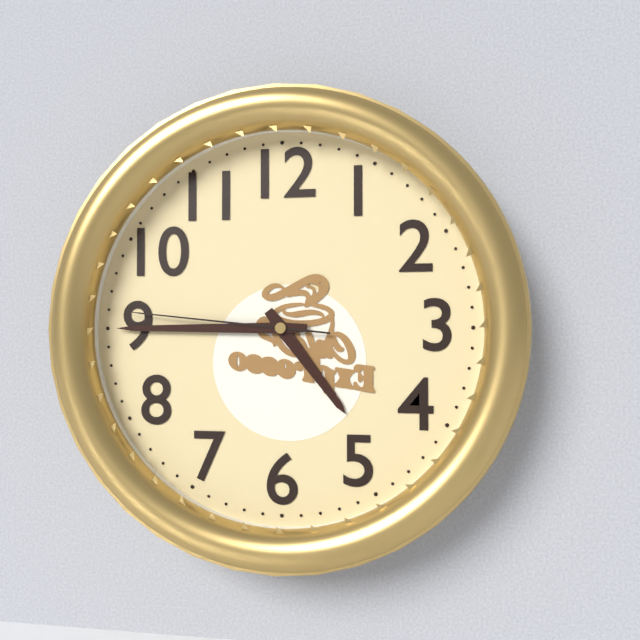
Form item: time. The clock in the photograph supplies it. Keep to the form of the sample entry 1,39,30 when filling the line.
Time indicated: 4,45,46
